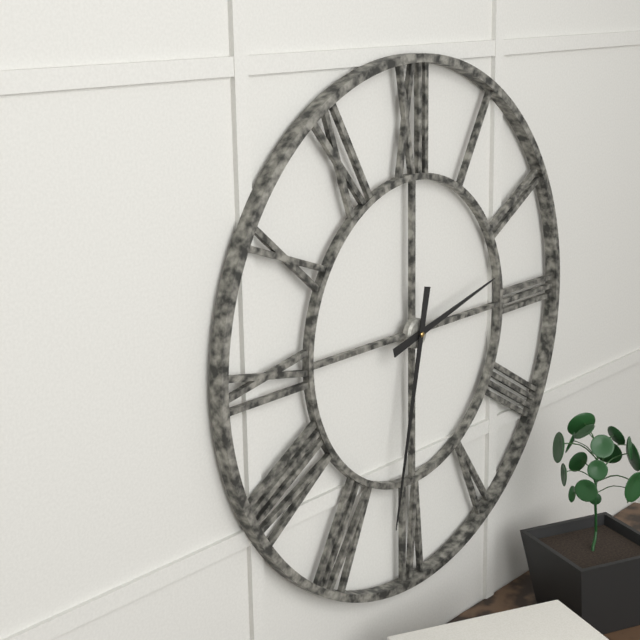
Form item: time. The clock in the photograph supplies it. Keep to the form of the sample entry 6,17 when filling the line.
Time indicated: 2,32
